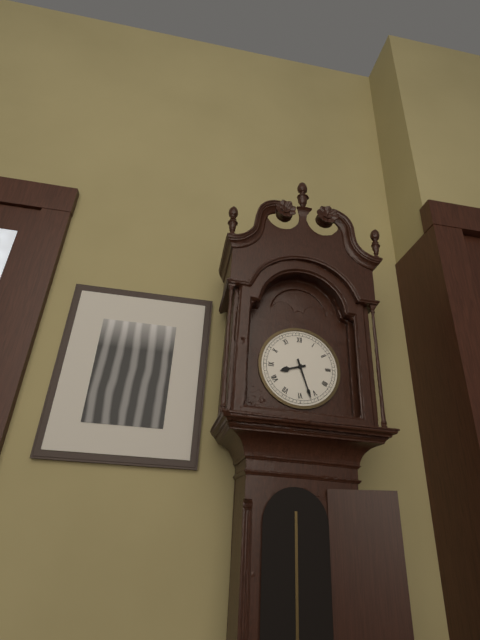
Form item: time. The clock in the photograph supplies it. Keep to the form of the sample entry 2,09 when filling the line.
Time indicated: 8,27
